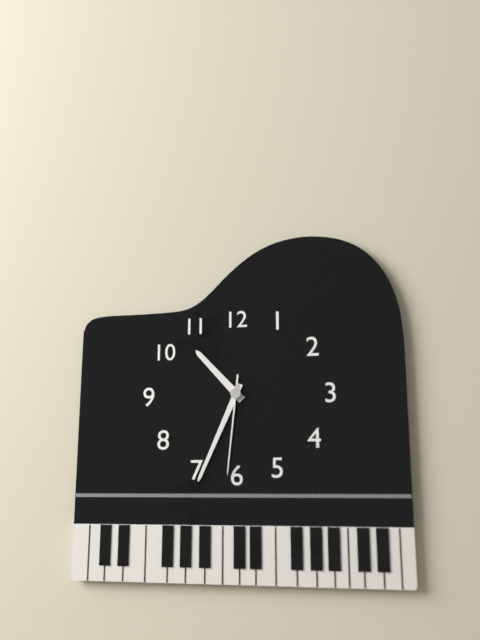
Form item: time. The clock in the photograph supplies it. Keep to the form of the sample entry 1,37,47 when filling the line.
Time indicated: 10,34,31
